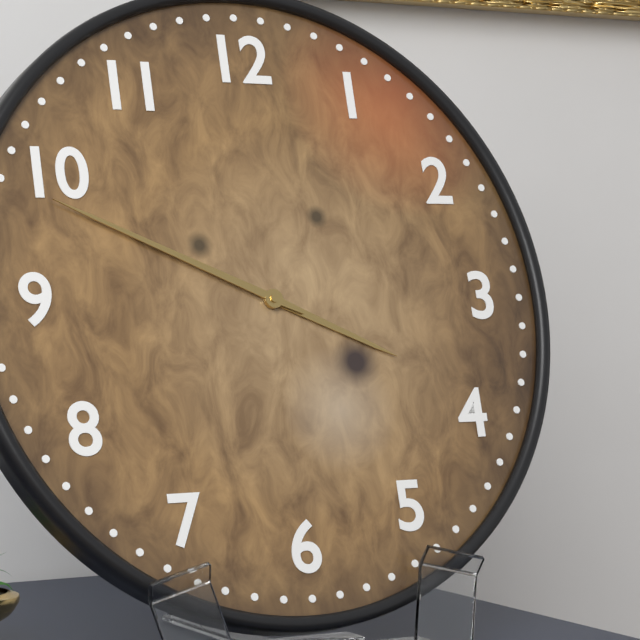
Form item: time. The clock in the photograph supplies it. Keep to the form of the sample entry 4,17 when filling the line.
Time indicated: 3,49
